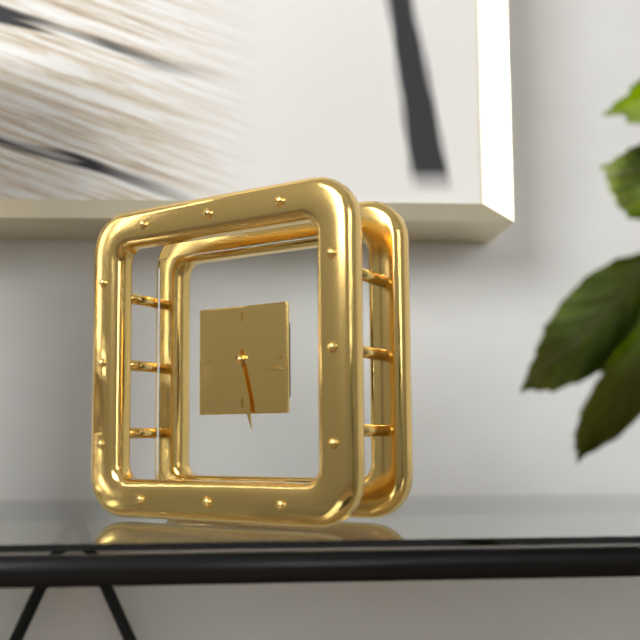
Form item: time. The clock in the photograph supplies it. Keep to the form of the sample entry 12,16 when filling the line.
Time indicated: 3,28
